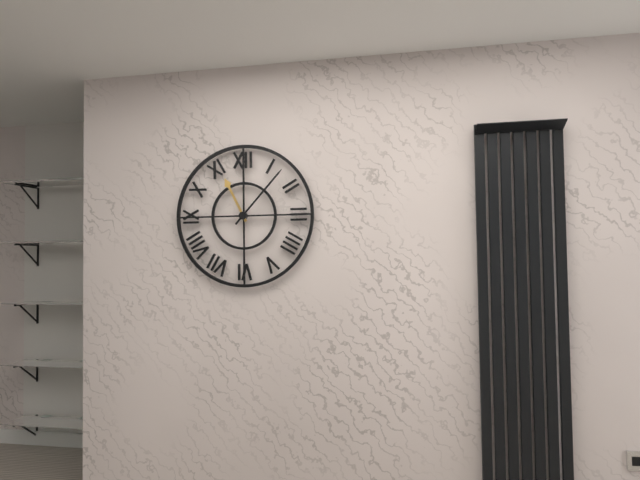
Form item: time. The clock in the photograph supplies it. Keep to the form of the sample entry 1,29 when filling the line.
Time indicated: 11,07
